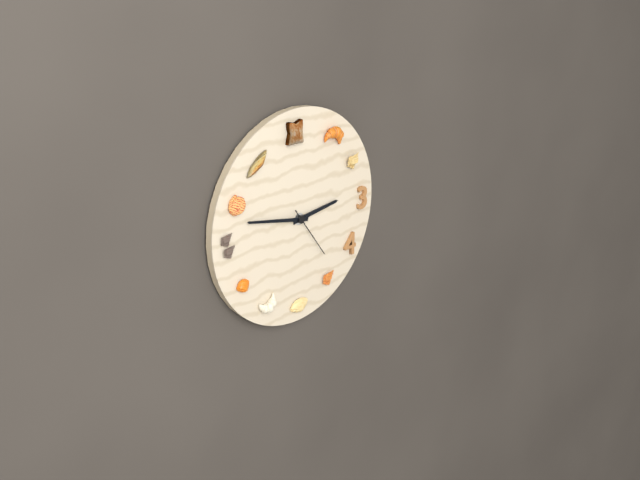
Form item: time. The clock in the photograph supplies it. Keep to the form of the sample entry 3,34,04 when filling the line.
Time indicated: 2,47,24
